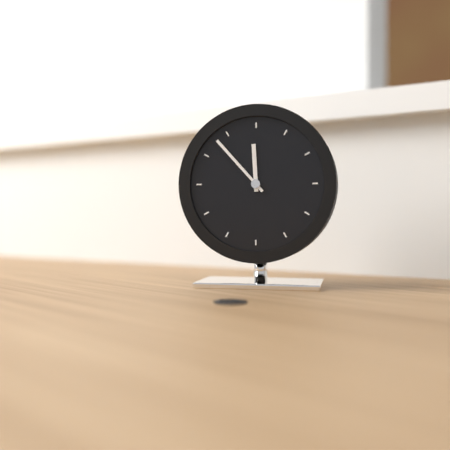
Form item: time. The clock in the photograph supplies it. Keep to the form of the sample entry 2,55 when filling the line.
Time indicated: 11,53
